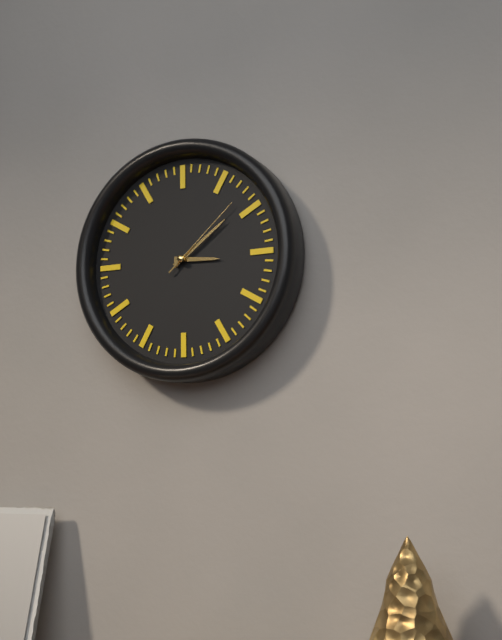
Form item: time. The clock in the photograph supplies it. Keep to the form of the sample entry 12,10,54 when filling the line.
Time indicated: 3,09,08
